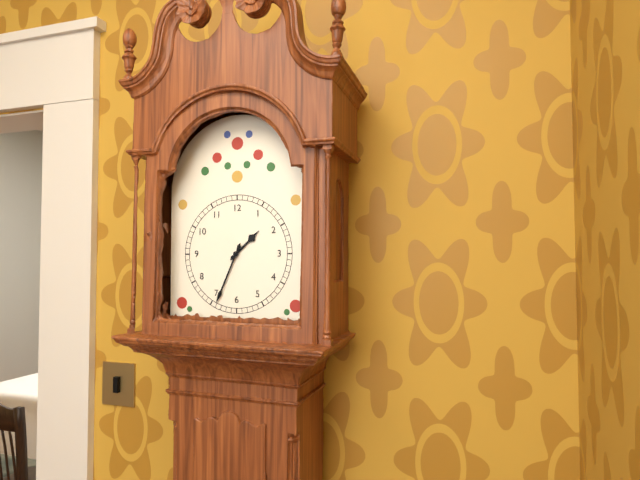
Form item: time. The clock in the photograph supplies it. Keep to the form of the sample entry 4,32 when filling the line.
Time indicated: 1,34
